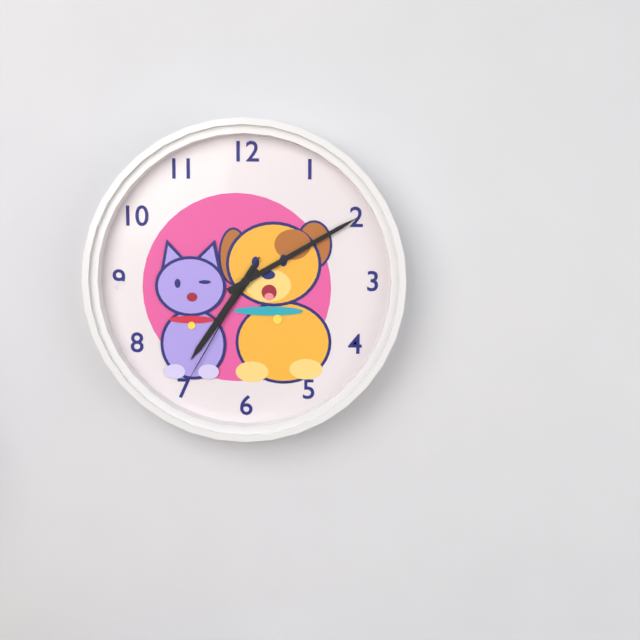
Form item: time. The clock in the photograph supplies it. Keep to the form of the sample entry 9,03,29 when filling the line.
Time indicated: 7,10,35
